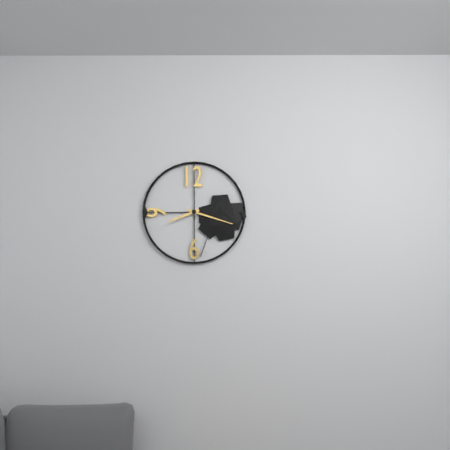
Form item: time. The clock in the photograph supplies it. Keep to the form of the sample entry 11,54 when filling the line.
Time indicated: 8,18
